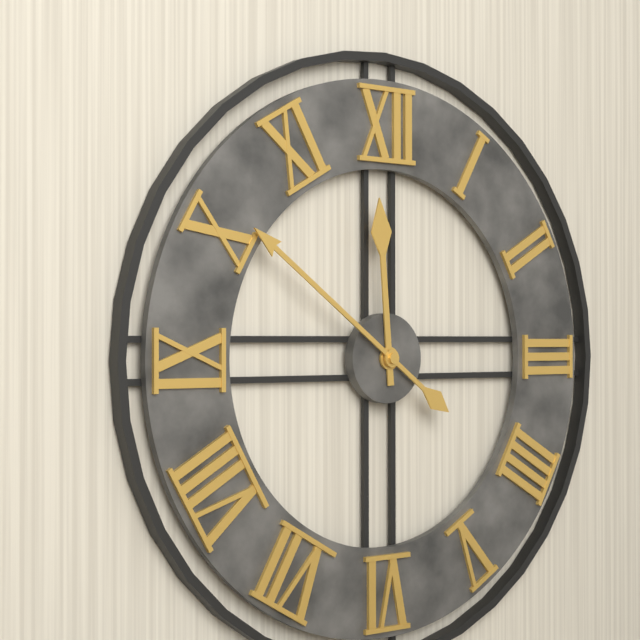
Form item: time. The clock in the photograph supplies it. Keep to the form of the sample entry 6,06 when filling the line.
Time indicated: 11,51
